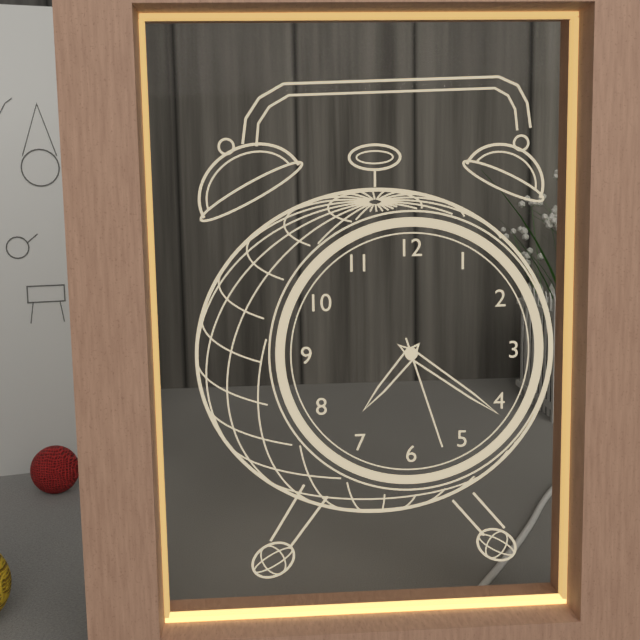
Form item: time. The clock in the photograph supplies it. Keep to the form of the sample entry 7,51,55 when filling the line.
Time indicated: 7,21,27
